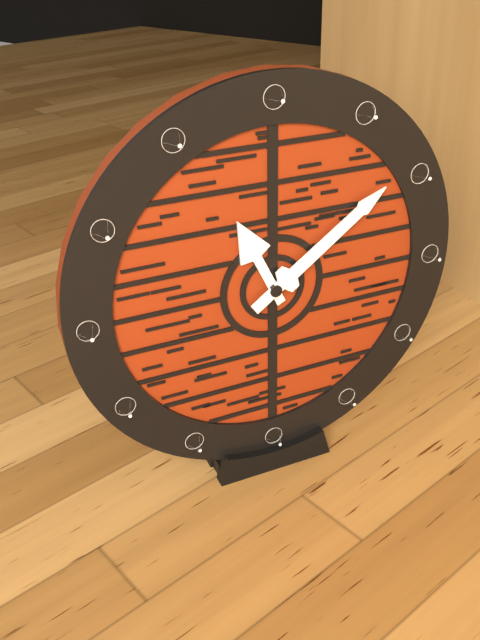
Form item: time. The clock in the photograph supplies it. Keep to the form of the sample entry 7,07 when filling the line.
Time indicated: 11,09
